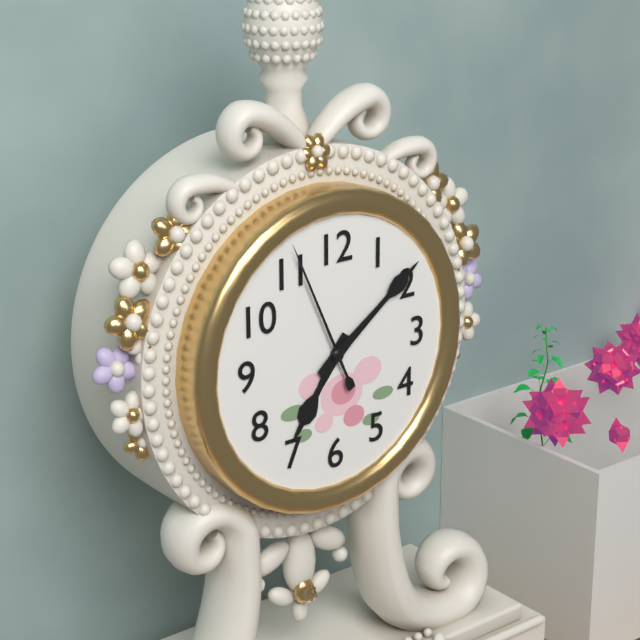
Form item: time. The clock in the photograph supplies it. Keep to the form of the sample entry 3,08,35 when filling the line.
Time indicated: 7,09,56
